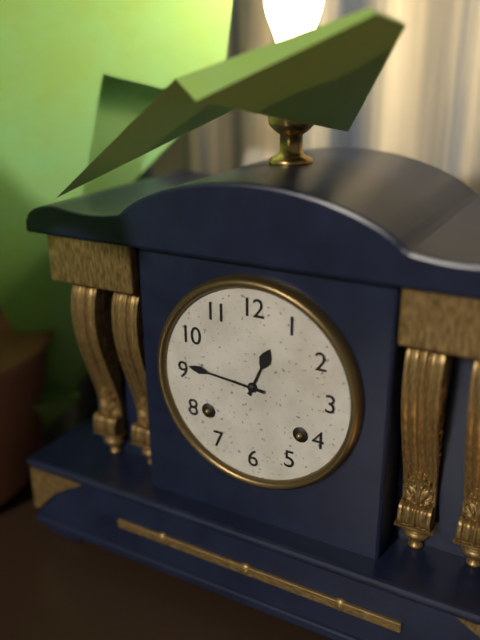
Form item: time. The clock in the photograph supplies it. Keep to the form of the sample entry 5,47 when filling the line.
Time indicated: 12,46
